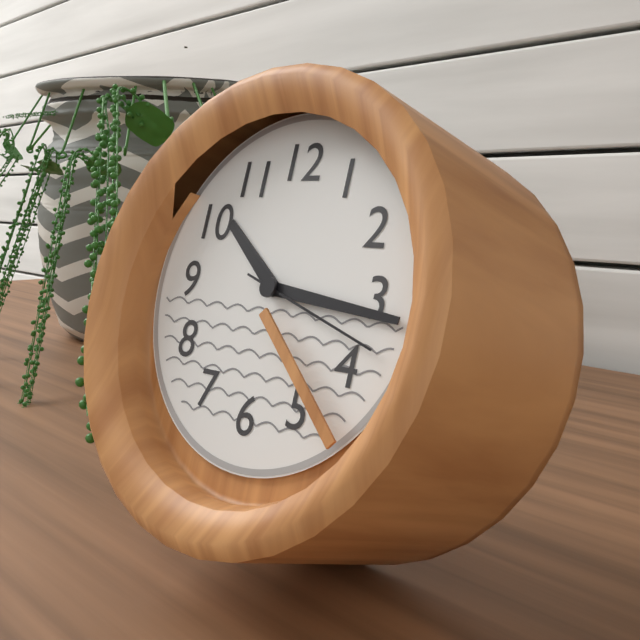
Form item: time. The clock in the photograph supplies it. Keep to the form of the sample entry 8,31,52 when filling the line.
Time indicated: 10,16,18
